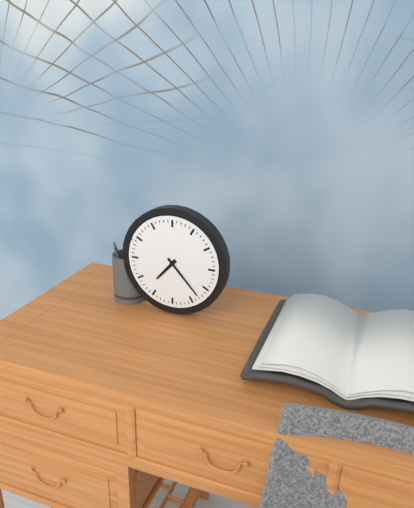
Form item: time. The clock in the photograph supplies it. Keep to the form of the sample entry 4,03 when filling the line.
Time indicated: 7,23
